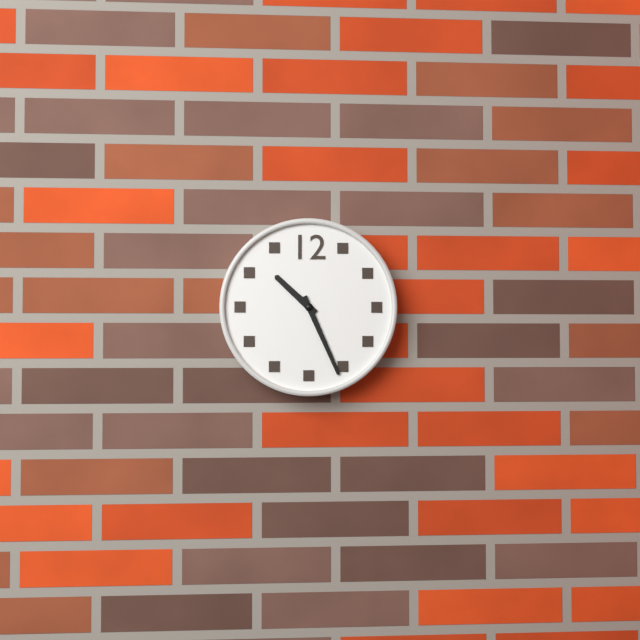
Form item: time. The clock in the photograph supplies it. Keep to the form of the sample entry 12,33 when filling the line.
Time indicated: 10,26
